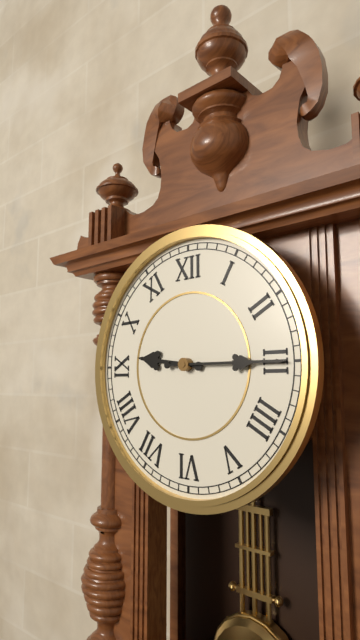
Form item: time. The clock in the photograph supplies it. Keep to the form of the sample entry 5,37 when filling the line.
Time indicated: 9,15
